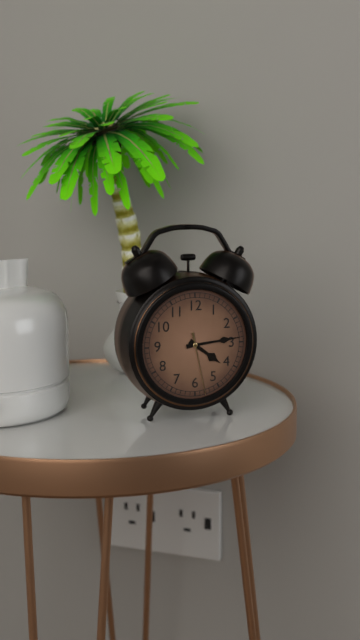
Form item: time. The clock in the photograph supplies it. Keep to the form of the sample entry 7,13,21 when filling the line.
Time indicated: 4,14,28
